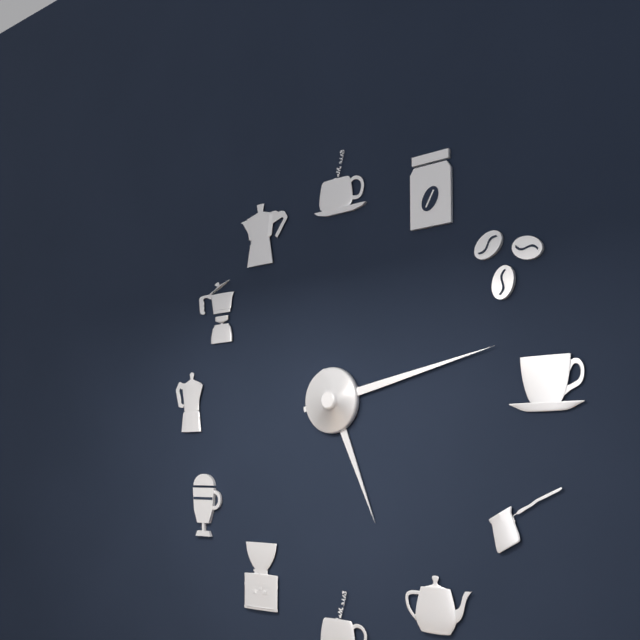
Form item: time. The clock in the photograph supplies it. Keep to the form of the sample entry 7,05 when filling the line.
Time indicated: 5,13
